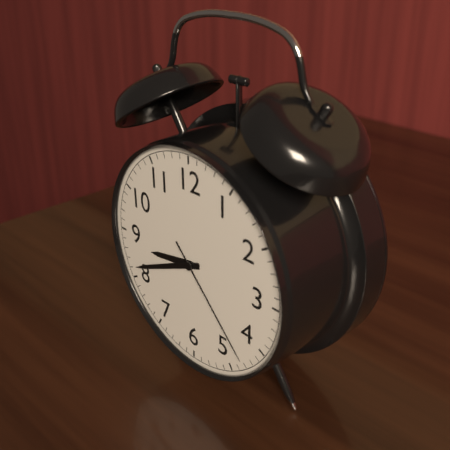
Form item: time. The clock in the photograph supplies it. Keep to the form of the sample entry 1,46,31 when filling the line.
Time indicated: 8,41,23
